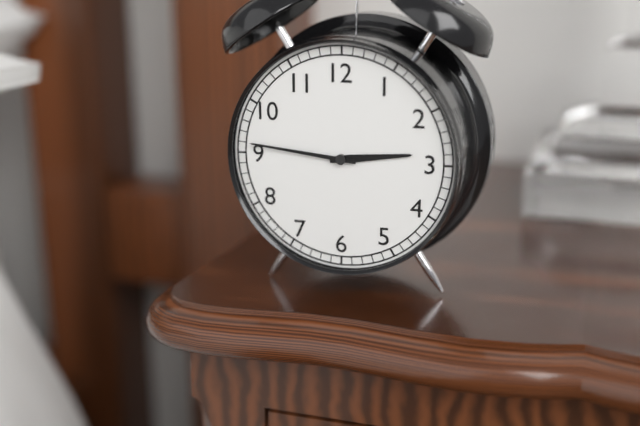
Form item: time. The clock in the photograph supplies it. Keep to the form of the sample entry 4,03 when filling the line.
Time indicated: 2,46
